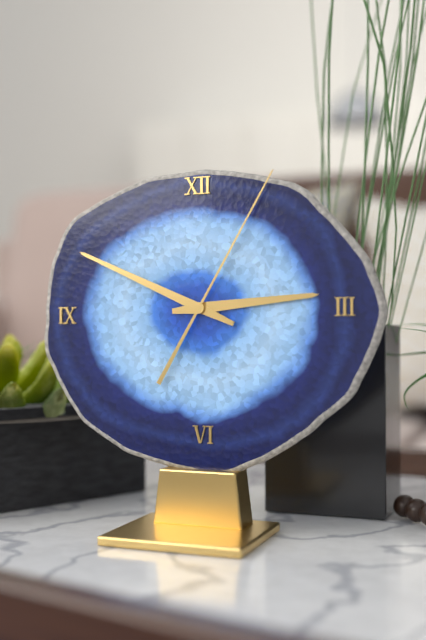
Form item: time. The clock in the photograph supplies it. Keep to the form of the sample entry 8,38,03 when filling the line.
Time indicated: 2,49,05
